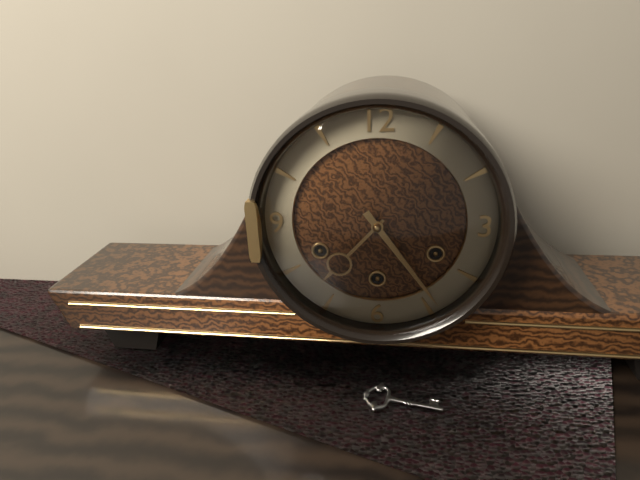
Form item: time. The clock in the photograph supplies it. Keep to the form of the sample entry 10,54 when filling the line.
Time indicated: 7,24
